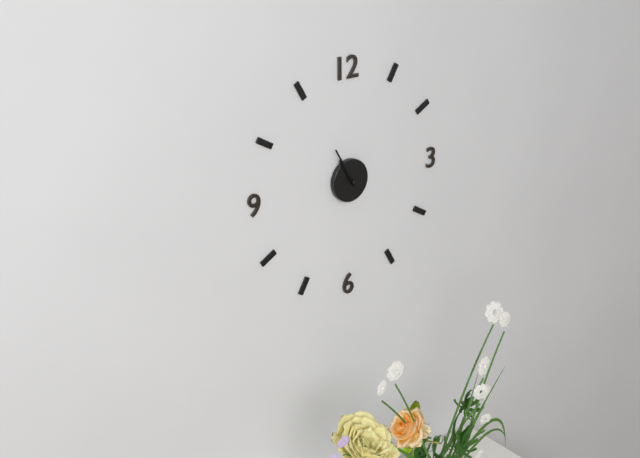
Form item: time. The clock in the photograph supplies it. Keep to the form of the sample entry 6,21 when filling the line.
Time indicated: 10,55
